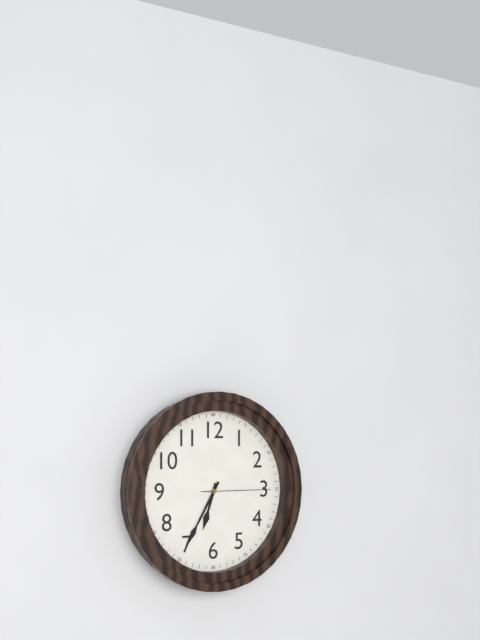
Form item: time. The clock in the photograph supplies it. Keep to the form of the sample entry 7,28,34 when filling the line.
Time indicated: 6,35,15
